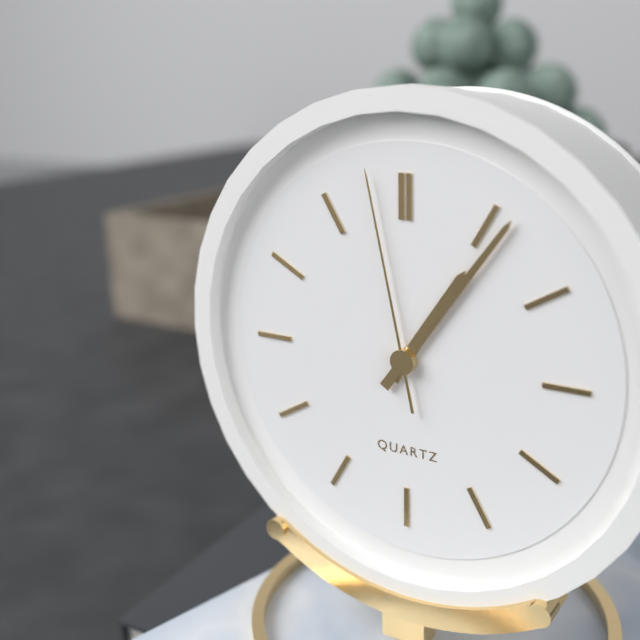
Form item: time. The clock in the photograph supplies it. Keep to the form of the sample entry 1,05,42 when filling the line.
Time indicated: 1,06,58
